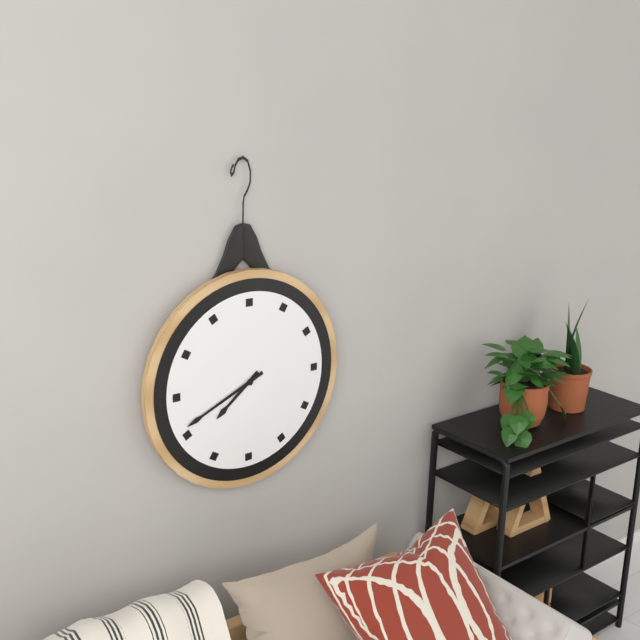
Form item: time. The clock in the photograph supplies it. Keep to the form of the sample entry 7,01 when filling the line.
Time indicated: 7,41
